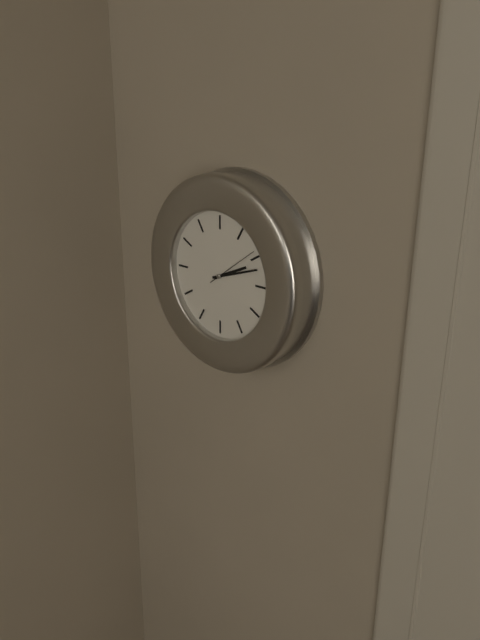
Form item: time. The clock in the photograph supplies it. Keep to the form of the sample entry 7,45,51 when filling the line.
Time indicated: 2,12,09
